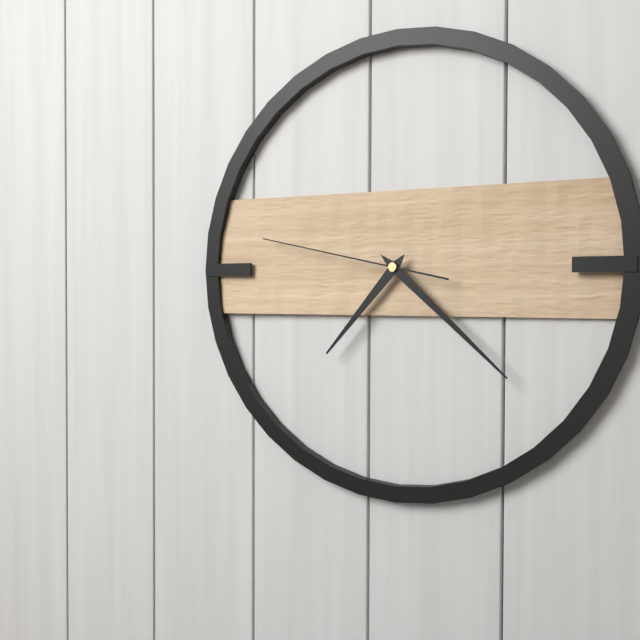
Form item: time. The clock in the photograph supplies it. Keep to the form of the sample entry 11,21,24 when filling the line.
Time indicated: 7,22,47
